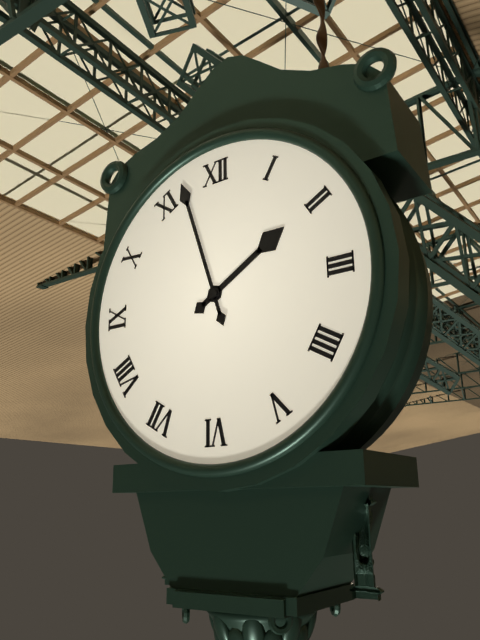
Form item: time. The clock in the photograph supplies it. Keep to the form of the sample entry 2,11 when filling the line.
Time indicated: 1,57
